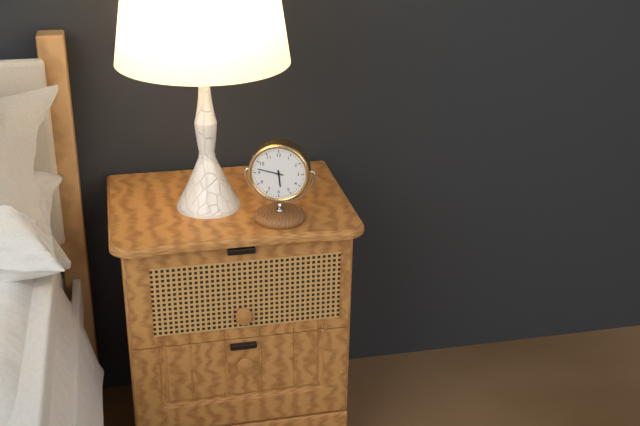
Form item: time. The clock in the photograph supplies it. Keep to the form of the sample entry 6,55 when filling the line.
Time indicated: 5,47
